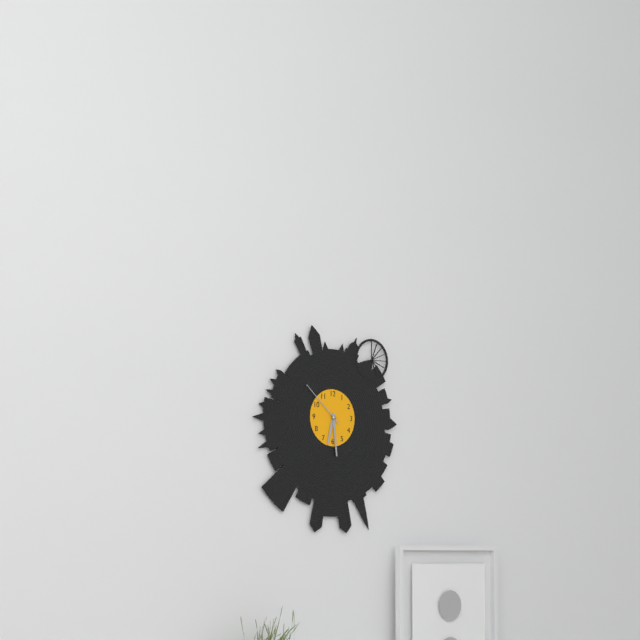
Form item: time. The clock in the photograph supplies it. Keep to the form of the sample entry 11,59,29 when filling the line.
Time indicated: 6,29,52
